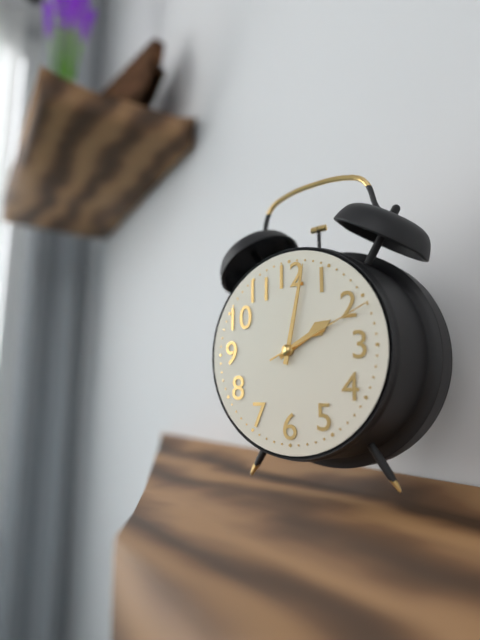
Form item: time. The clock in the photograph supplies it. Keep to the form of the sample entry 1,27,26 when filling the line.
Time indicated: 2,02,11
